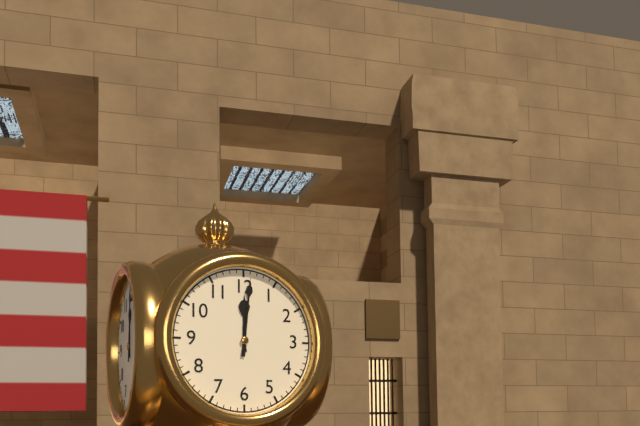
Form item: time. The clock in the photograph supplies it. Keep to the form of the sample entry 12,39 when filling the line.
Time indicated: 12,01
